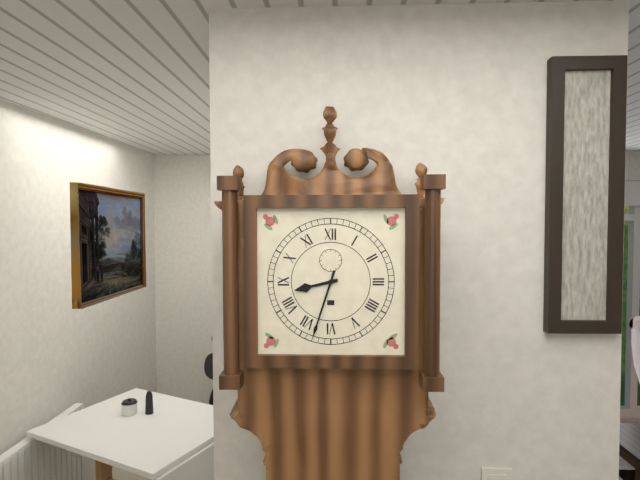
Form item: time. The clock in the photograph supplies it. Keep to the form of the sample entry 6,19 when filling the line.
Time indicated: 8,33
